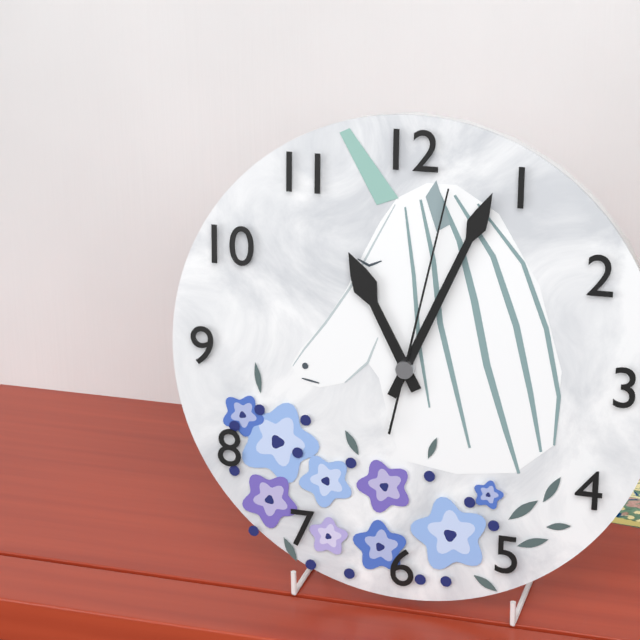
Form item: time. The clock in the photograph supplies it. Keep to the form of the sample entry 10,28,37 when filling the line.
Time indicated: 11,04,02
